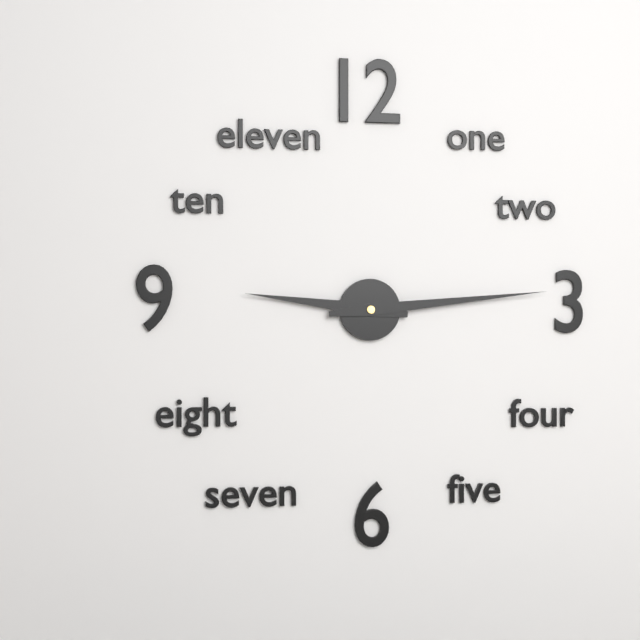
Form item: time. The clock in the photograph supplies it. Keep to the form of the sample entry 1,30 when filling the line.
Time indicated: 9,14
